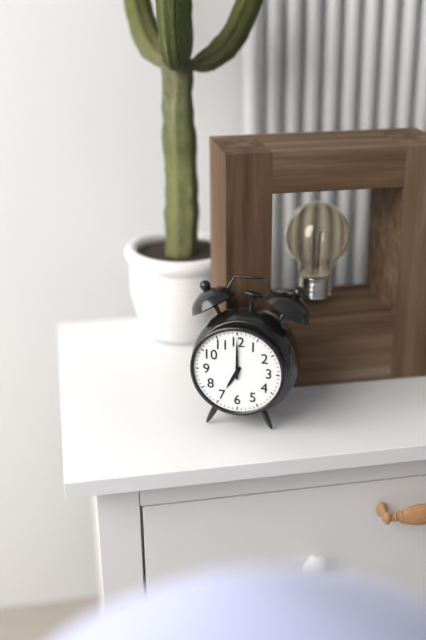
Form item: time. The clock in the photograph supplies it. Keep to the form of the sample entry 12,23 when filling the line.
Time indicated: 7,00
